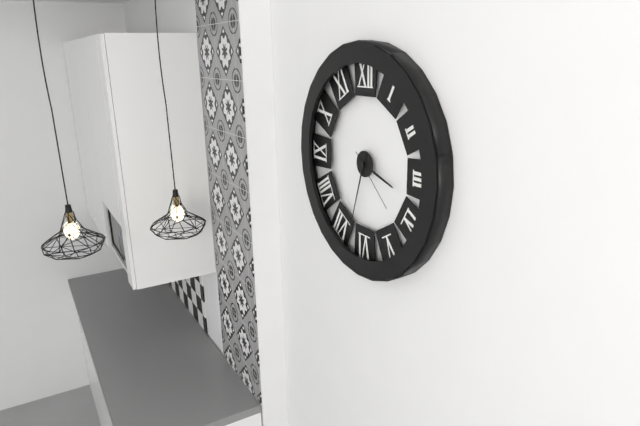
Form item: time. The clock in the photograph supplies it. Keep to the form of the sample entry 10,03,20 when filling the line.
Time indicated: 3,33,22
